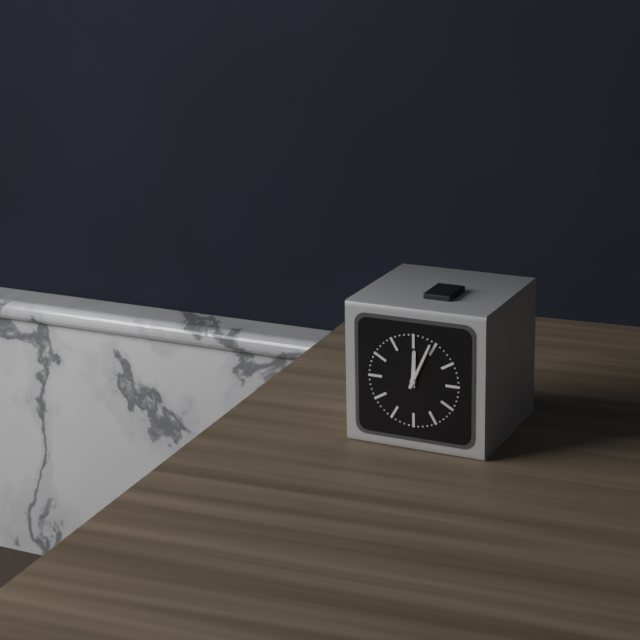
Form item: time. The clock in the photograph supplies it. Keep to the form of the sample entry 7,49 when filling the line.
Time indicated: 12,04
